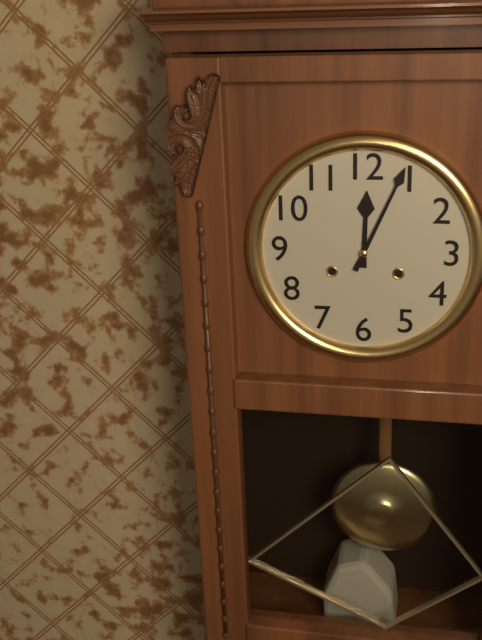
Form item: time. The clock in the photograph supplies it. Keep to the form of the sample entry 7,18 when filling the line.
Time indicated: 12,04
